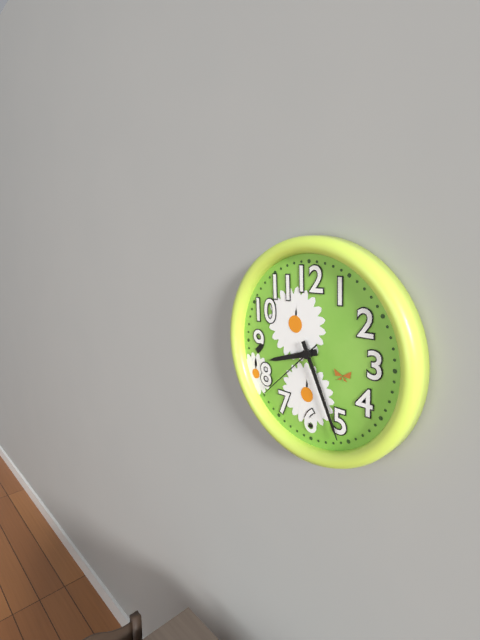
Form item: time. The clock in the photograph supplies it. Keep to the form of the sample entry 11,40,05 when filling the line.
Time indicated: 8,26,38
